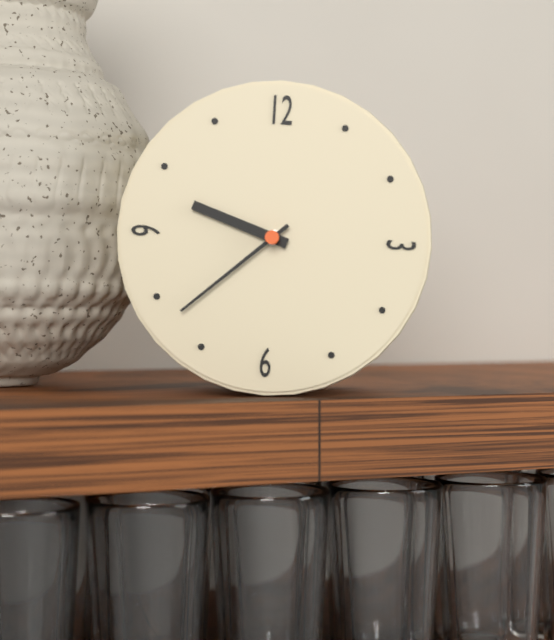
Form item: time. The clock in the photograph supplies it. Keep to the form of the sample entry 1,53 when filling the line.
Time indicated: 9,38
